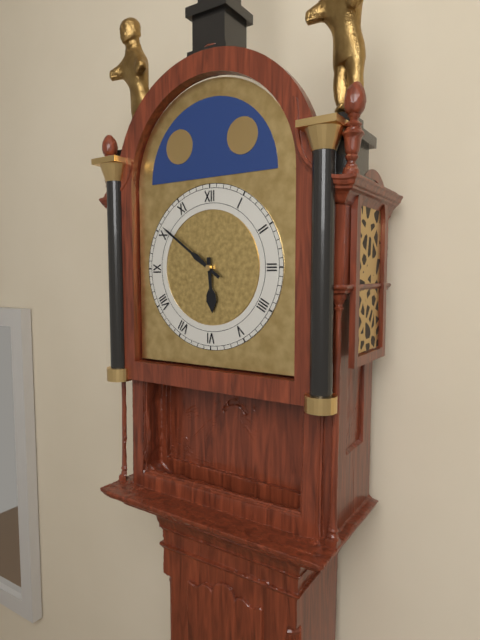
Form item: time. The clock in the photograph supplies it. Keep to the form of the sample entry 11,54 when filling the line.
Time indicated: 5,51
